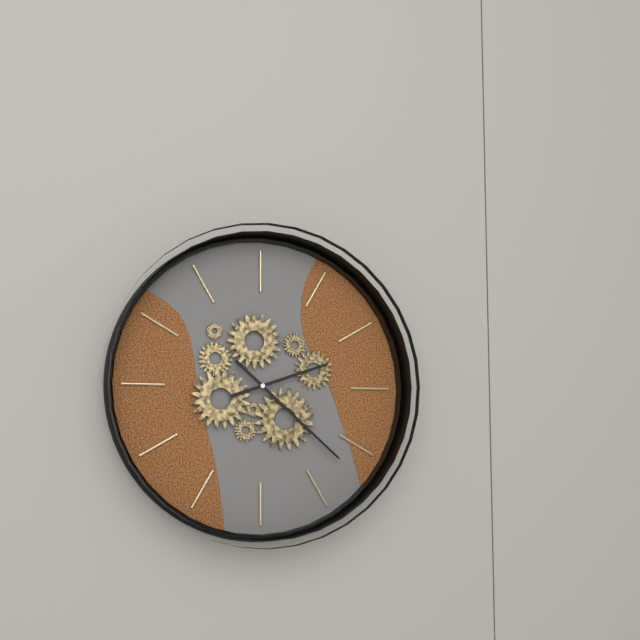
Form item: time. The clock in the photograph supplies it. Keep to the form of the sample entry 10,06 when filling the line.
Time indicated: 2,22
